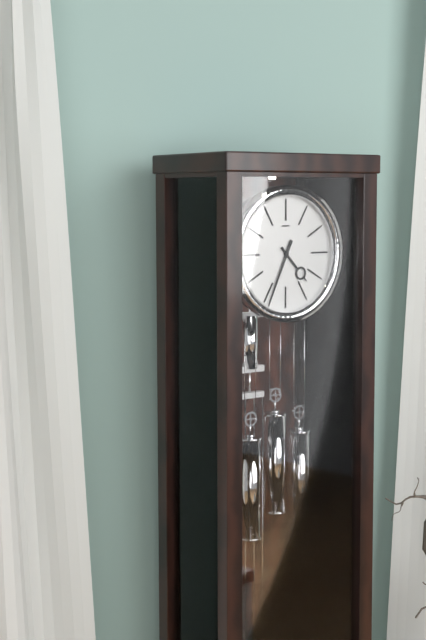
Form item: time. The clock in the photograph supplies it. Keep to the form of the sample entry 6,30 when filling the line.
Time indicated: 4,34
